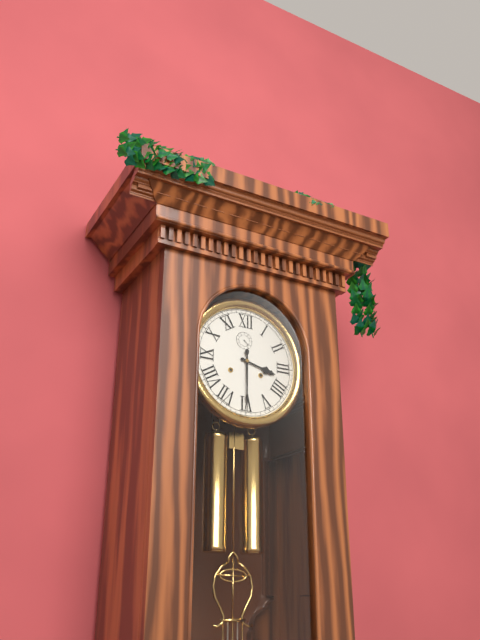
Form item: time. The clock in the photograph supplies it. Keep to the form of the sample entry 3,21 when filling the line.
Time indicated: 3,30
